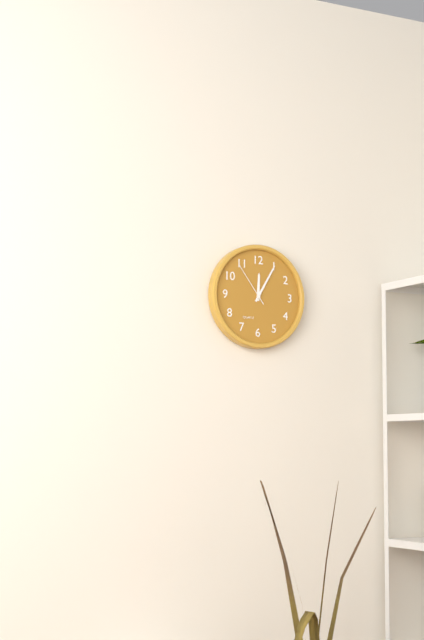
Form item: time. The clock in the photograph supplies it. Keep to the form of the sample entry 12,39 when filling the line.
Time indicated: 12,05
